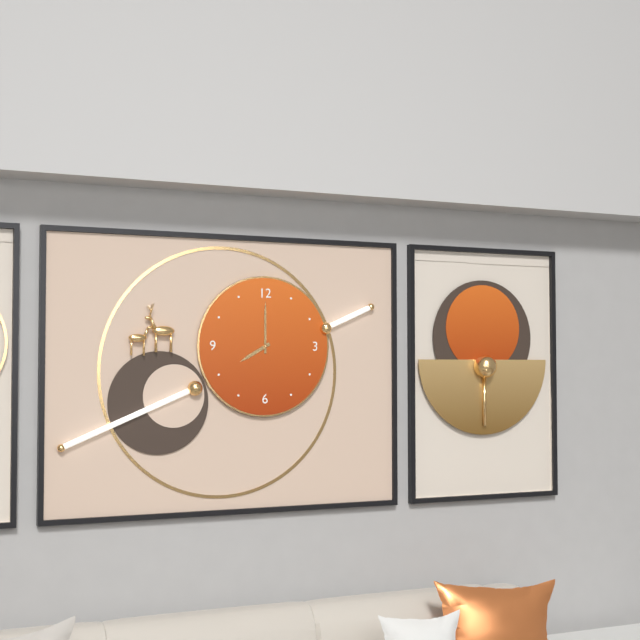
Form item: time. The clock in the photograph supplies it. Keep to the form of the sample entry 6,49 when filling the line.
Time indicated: 8,00
